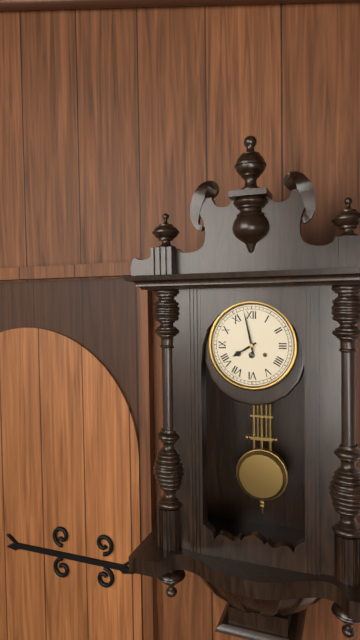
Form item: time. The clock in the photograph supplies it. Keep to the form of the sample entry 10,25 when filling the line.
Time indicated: 7,58
